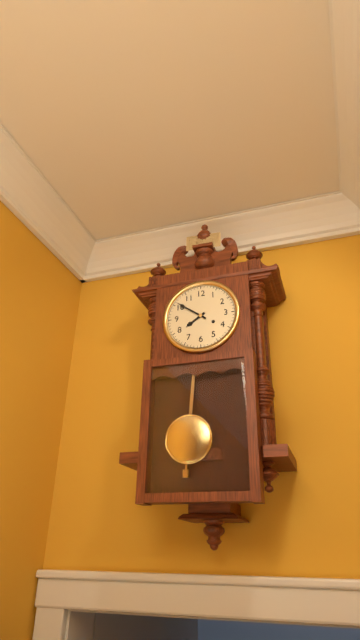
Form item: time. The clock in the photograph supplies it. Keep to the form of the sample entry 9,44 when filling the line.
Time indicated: 7,51
